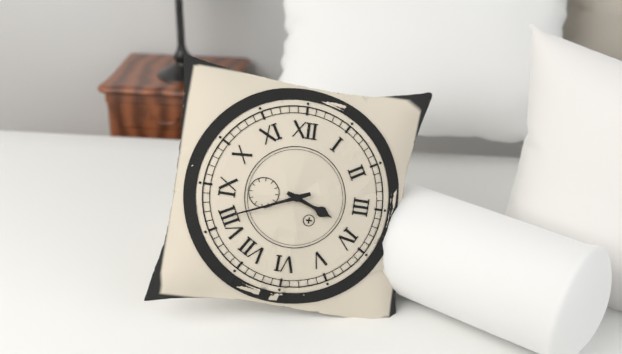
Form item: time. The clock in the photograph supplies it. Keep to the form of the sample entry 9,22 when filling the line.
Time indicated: 3,41
